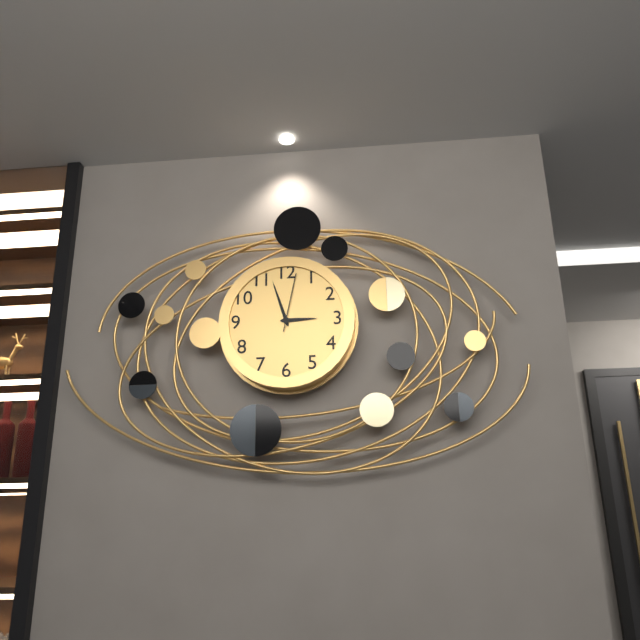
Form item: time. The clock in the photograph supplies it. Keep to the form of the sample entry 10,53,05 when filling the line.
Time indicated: 2,57,02
